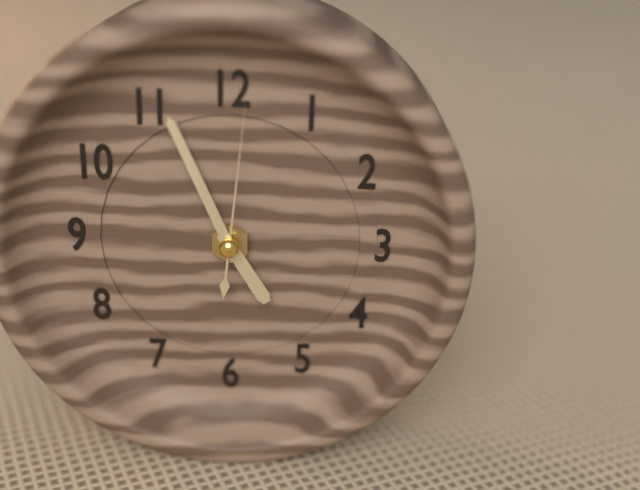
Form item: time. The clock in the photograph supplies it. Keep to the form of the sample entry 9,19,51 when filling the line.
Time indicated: 4,56,01
